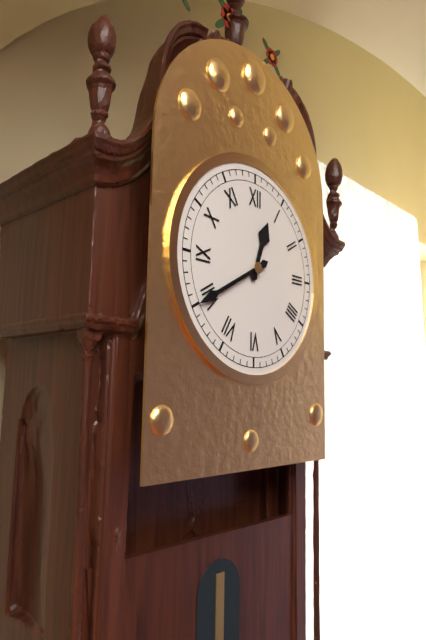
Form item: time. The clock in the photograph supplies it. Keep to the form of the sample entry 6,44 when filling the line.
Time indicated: 12,40
